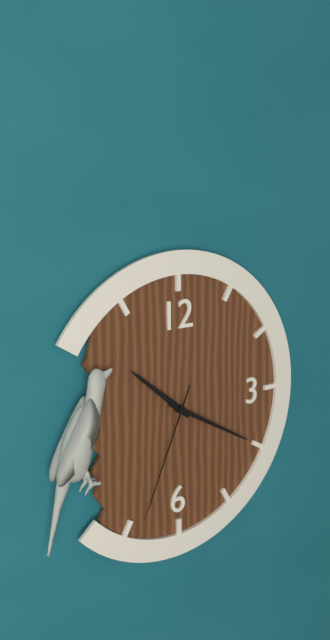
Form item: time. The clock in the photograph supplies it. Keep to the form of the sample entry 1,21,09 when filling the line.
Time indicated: 10,20,34
